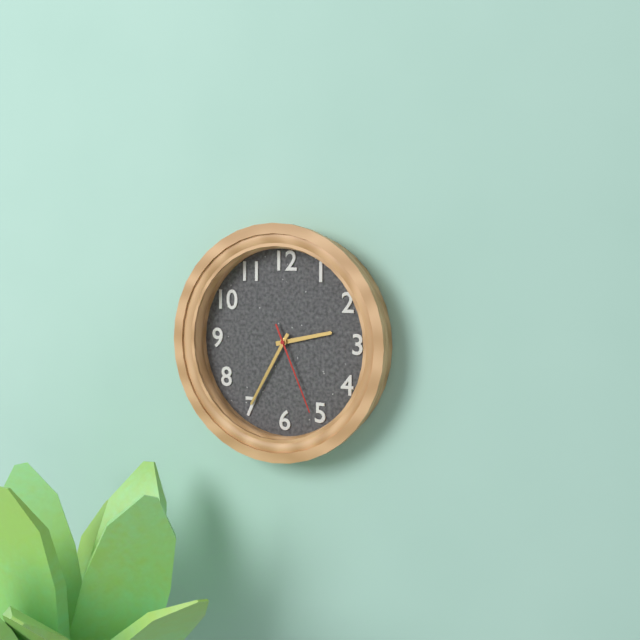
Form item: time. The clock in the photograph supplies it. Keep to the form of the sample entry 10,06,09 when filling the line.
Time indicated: 2,35,26
